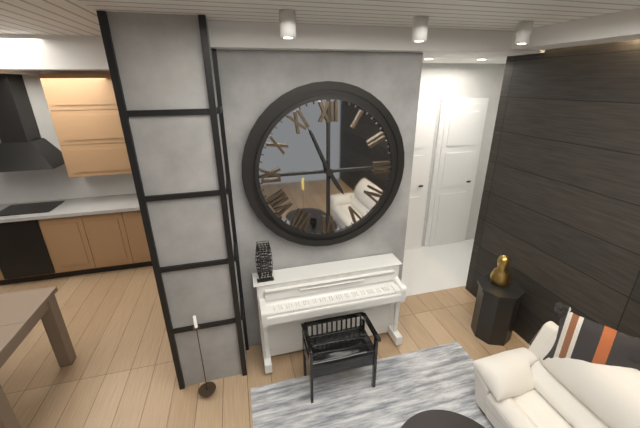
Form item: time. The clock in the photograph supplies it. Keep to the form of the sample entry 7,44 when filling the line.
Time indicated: 4,56
